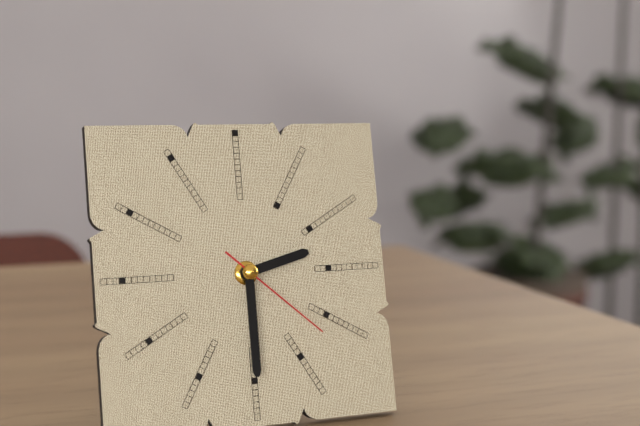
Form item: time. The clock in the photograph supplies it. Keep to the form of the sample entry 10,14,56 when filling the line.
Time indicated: 2,30,22
